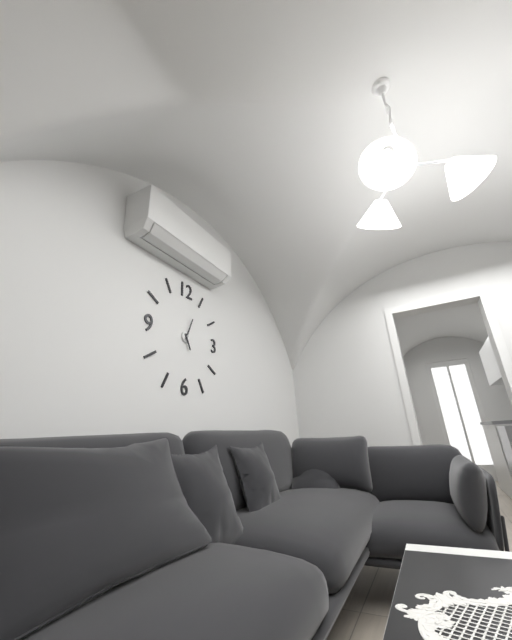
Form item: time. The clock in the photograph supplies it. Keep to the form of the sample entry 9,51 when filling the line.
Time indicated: 5,04
